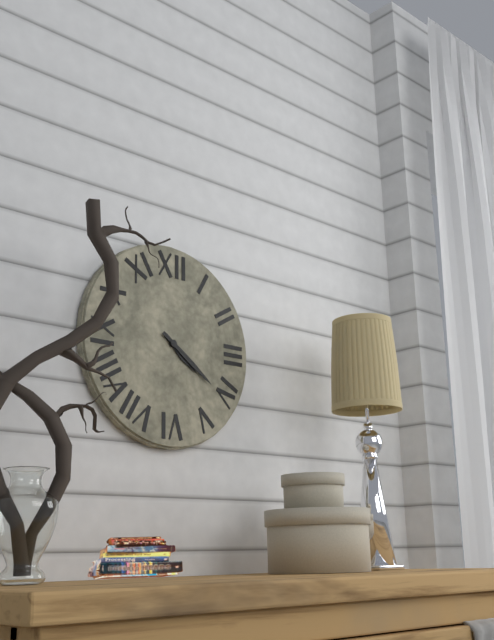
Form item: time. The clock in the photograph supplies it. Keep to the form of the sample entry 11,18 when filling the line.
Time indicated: 4,21
